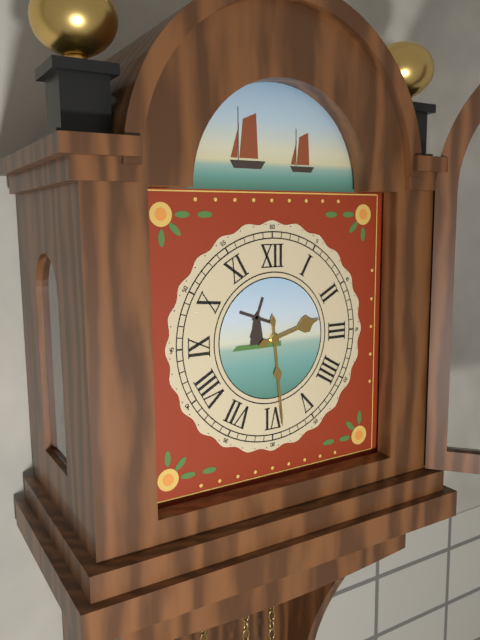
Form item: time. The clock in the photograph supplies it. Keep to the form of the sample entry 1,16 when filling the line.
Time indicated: 2,29
